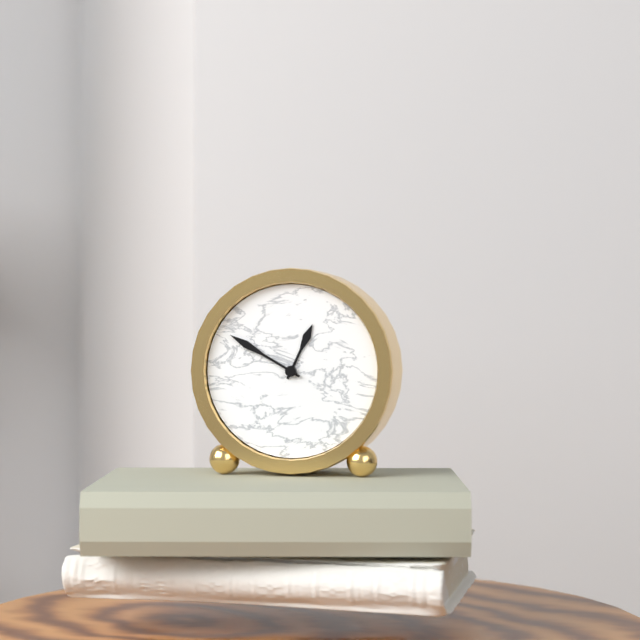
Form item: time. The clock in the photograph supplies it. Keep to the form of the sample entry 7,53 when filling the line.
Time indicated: 12,50
